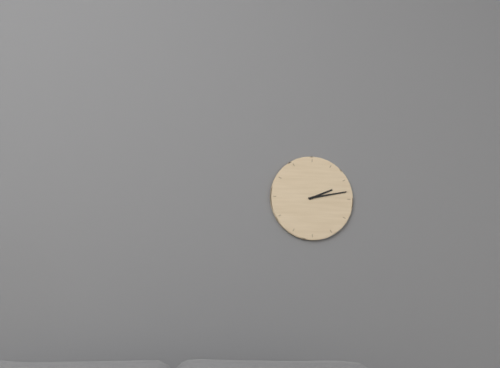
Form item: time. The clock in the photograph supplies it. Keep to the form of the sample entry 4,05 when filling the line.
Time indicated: 2,13
